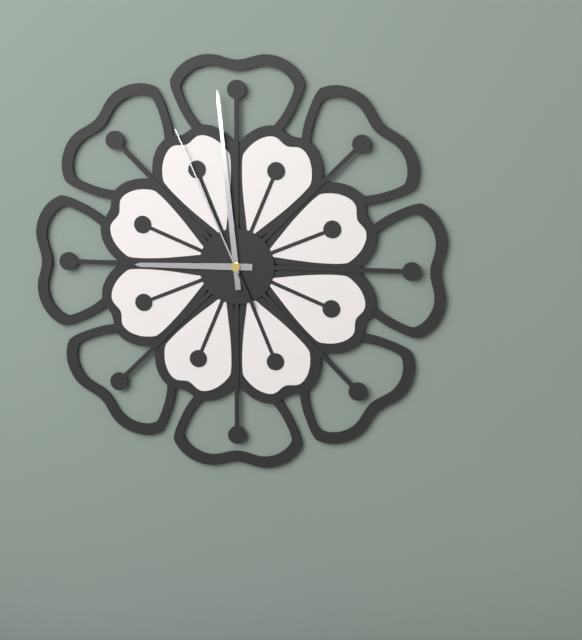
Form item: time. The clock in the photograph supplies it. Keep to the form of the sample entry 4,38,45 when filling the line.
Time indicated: 8,59,56
